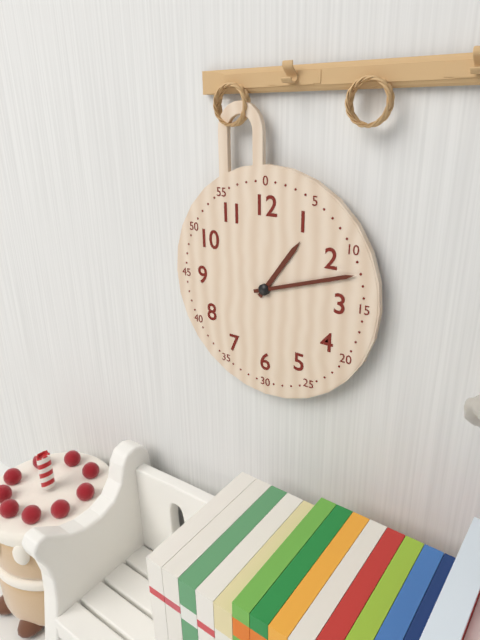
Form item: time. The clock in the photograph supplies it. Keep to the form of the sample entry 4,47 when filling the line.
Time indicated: 1,12
